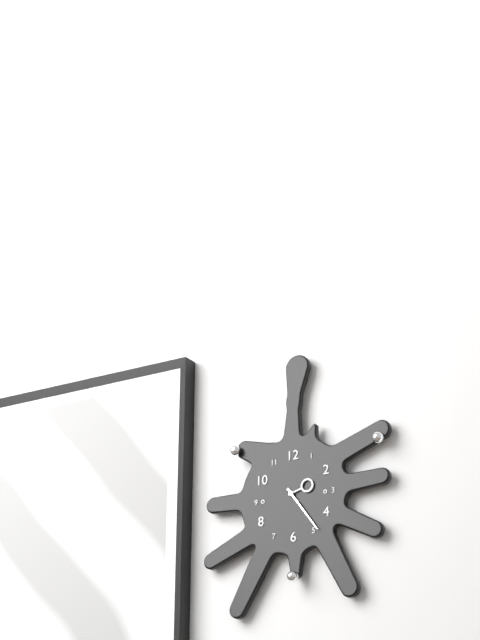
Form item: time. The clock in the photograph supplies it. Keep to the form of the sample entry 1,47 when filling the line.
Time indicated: 2,24
